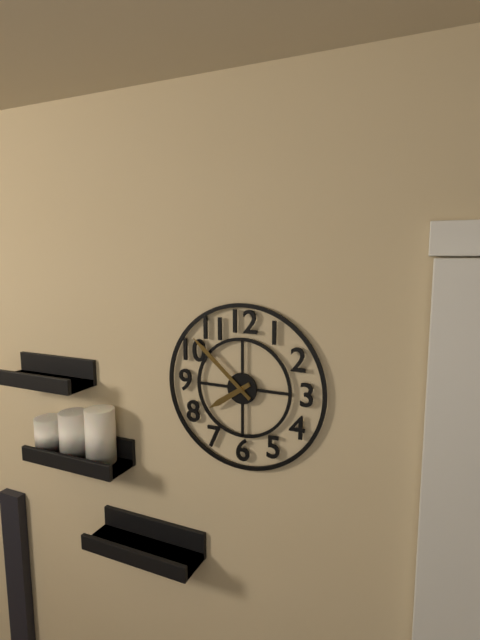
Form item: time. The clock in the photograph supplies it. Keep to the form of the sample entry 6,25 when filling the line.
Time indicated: 7,52
